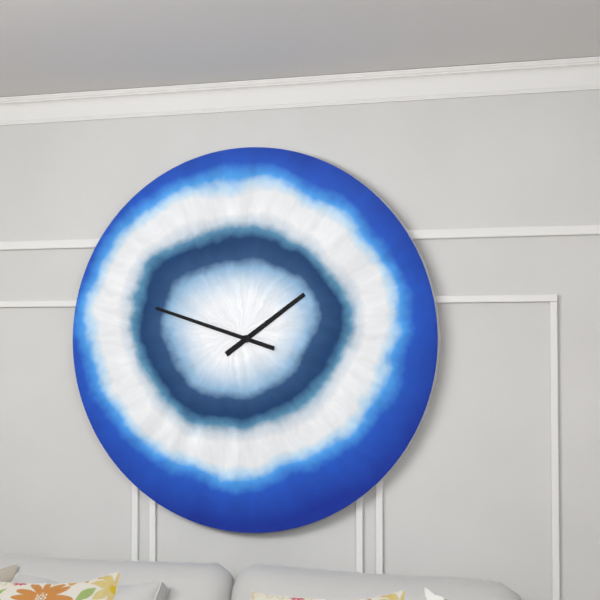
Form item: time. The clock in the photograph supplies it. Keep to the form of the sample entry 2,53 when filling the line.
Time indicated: 1,48
